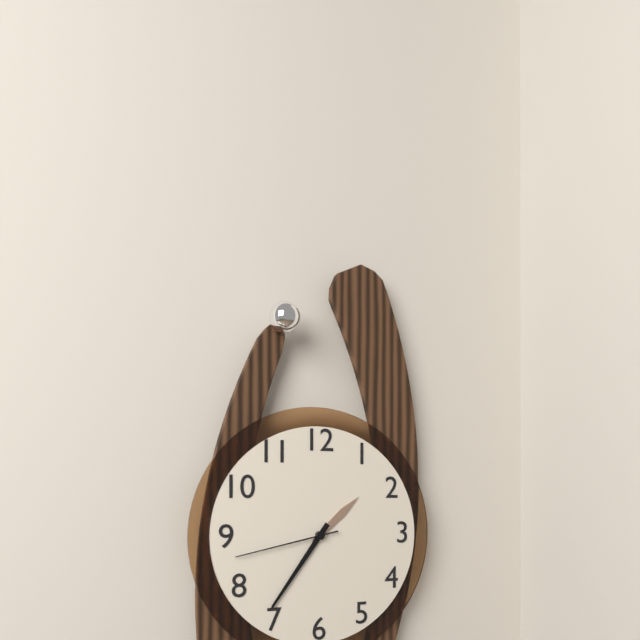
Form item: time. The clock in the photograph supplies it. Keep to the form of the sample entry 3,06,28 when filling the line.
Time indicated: 1,36,43
